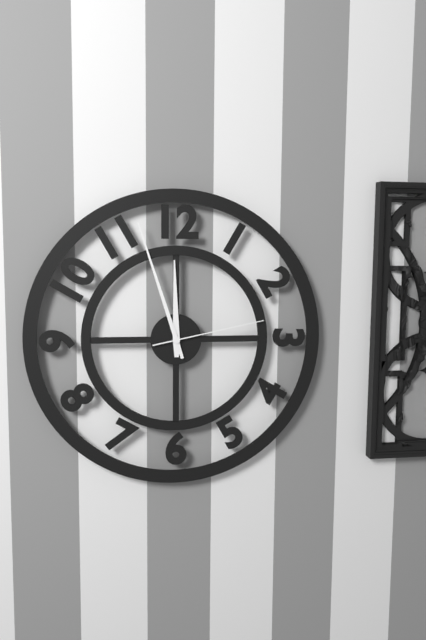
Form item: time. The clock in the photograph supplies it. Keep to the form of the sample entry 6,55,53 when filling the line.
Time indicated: 11,57,13
